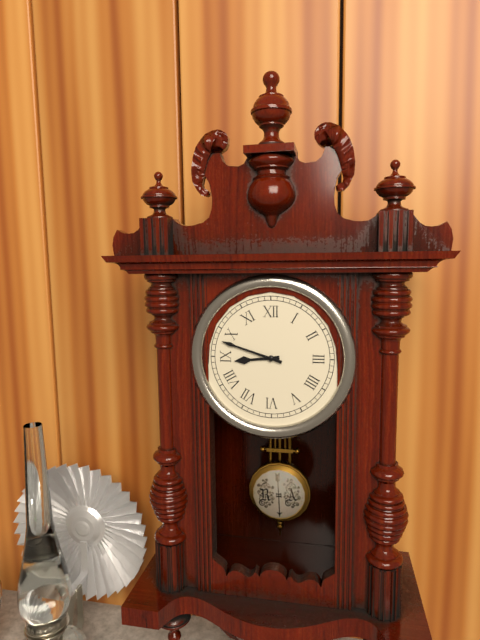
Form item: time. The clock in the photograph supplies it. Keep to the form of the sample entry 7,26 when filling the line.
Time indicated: 8,48
